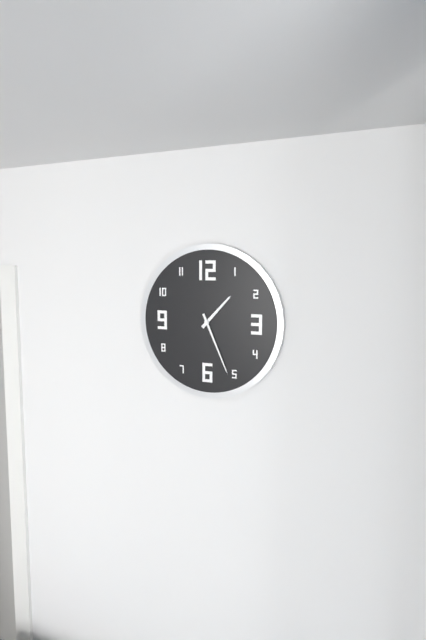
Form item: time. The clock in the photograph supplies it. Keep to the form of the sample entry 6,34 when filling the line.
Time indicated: 1,26
